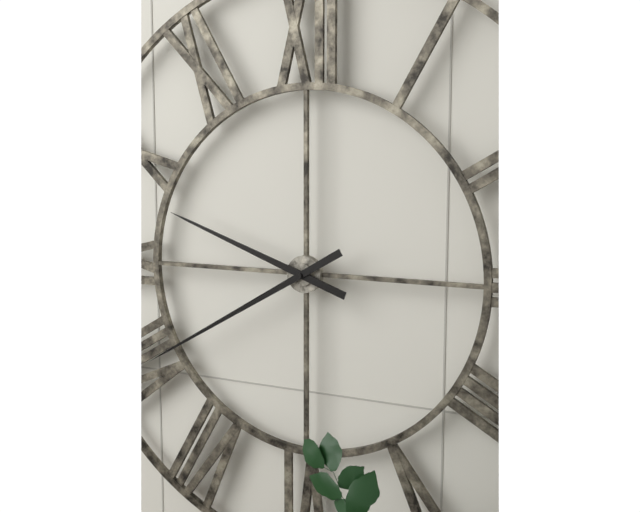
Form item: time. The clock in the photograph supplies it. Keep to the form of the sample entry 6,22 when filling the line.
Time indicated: 9,40
